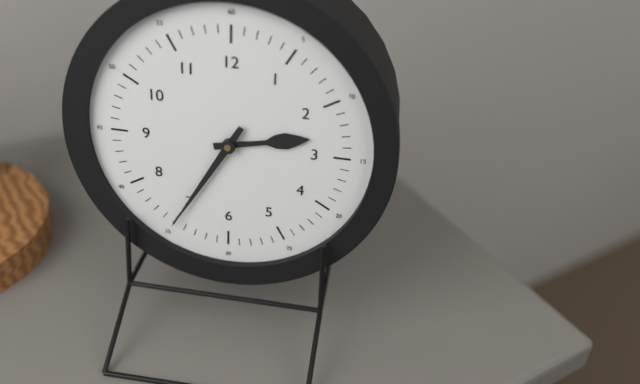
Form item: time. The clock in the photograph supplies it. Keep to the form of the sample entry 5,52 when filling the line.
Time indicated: 2,35
